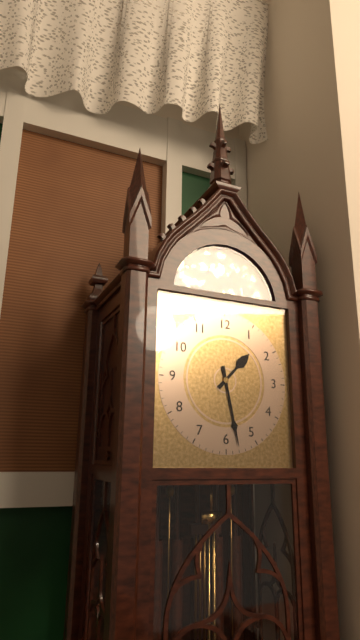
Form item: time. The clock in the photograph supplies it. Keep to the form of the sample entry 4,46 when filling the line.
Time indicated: 1,28
